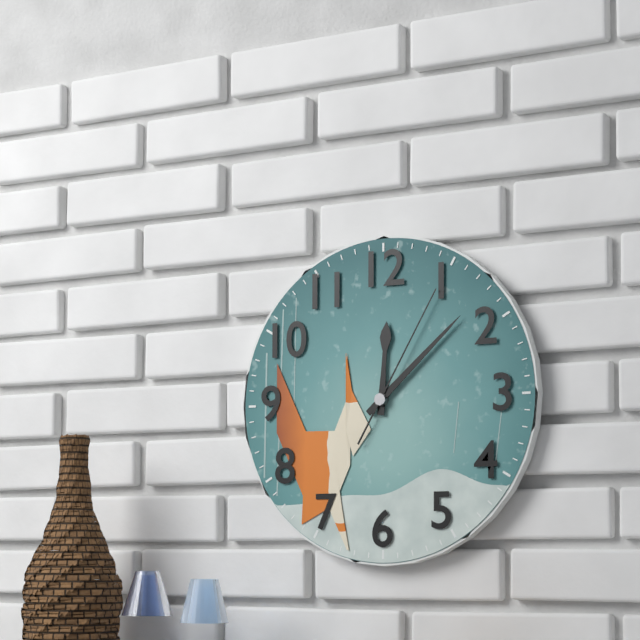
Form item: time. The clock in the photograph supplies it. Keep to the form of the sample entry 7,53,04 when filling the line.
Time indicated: 12,08,05
